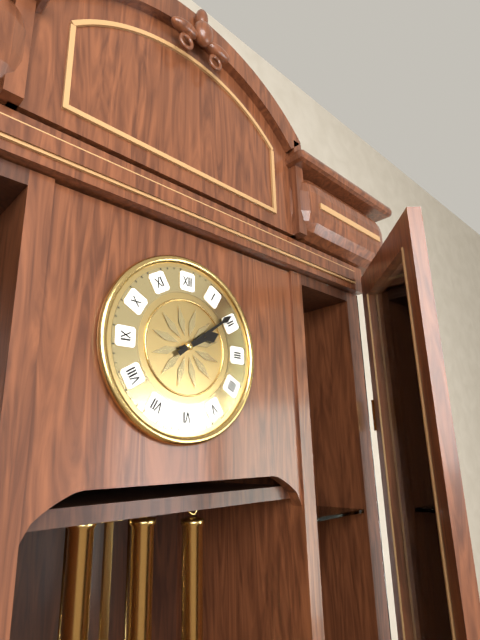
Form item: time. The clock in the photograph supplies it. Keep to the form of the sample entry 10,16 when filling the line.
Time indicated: 2,09
